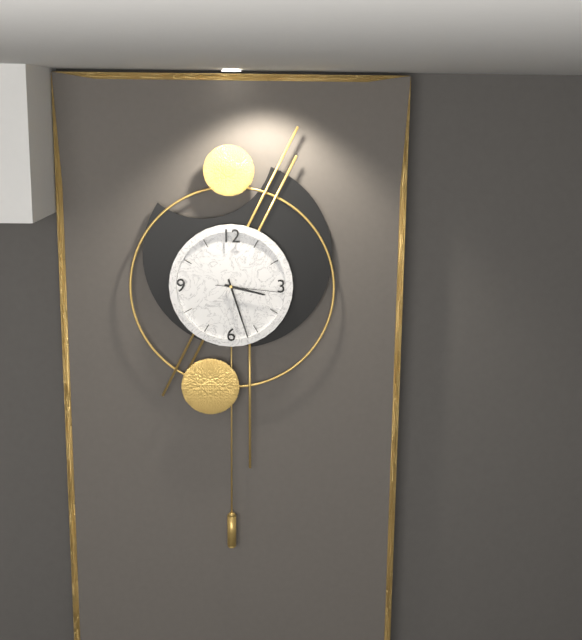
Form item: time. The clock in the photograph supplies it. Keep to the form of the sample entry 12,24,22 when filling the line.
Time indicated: 3,27,16
